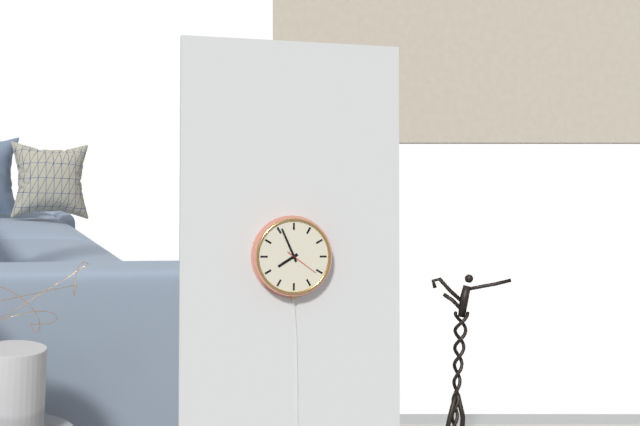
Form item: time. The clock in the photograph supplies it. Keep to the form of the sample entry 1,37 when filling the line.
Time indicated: 7,56
